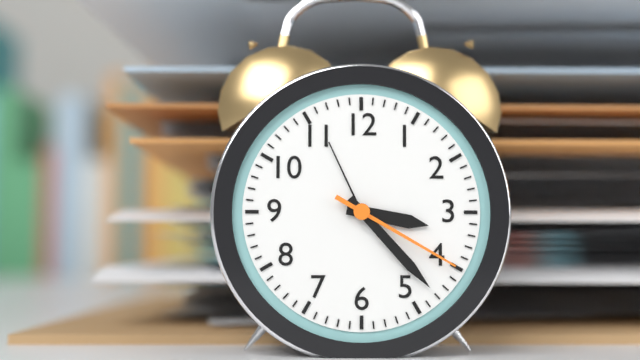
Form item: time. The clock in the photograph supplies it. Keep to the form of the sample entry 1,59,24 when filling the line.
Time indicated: 3,23,20
